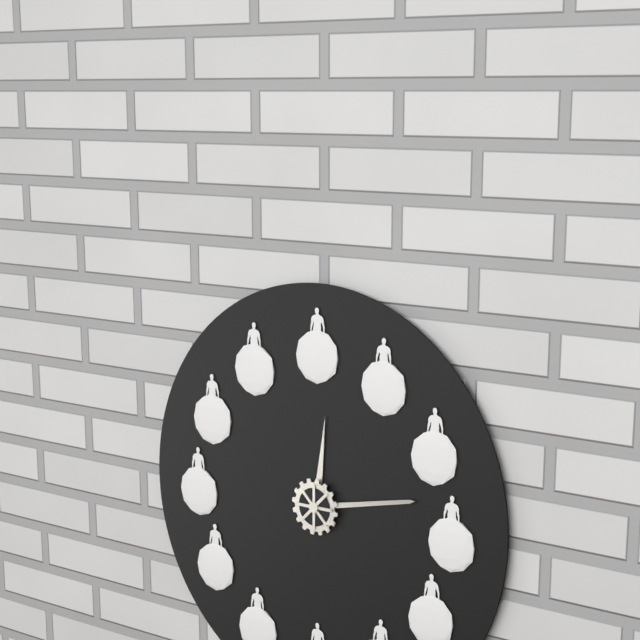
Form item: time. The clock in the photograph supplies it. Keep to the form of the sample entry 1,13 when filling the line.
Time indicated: 12,13
